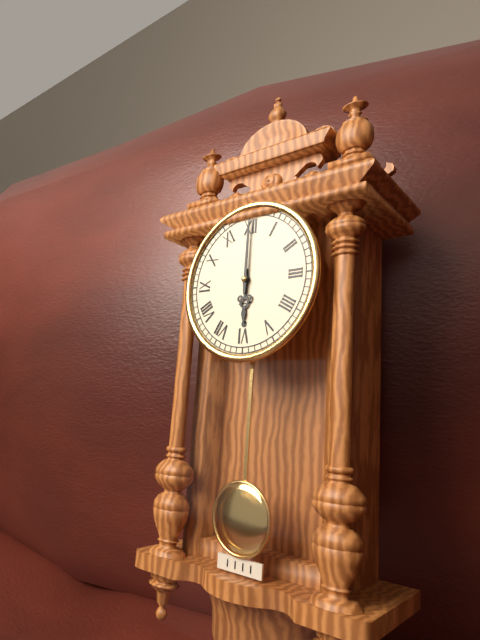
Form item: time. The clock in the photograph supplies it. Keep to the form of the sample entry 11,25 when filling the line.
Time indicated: 6,00
